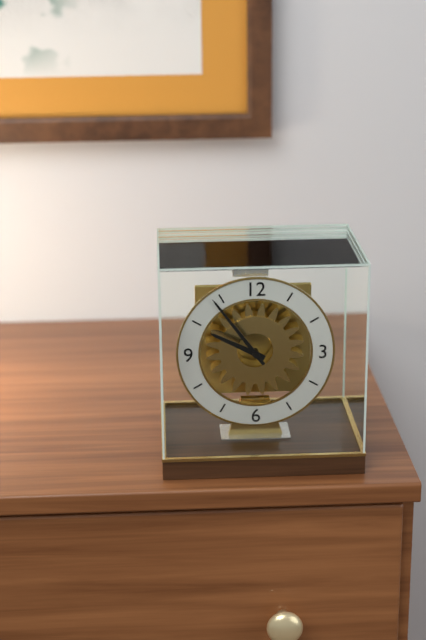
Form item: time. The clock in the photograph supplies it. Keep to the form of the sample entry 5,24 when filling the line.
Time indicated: 9,54
